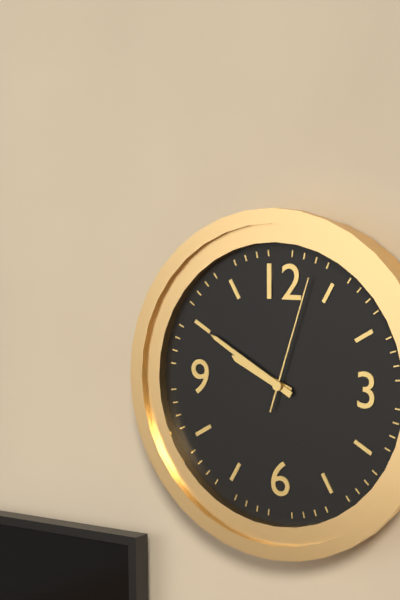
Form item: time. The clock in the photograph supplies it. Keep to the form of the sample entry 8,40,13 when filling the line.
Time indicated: 9,50,03
